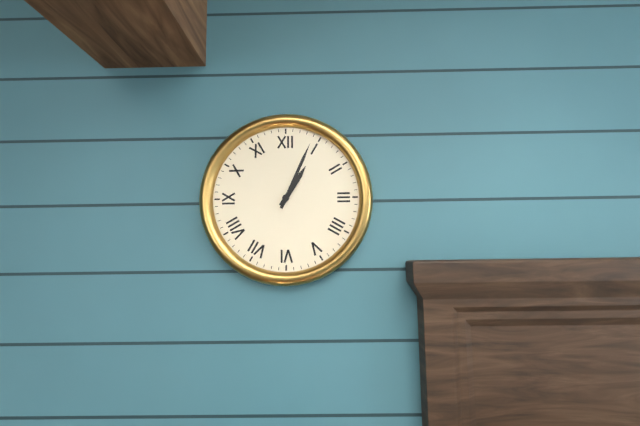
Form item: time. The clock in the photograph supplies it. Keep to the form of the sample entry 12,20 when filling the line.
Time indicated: 1,04
